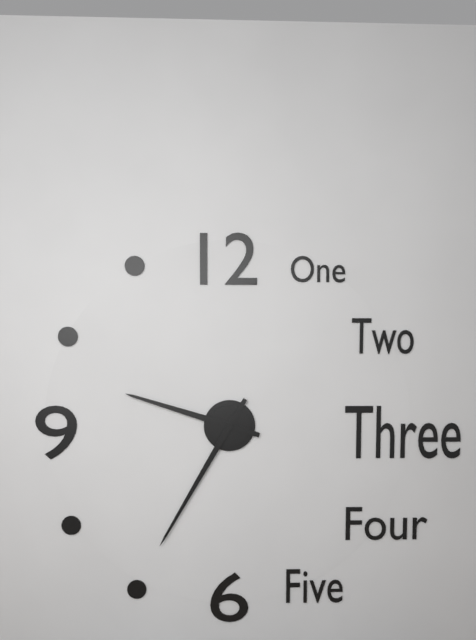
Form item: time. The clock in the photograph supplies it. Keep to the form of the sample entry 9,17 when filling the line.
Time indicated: 9,35
